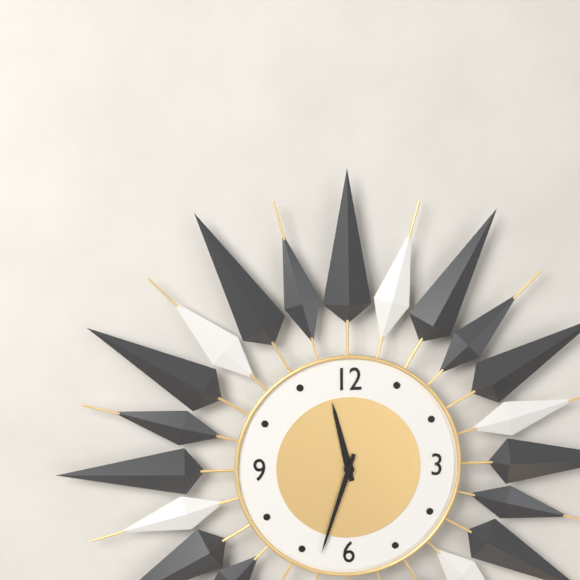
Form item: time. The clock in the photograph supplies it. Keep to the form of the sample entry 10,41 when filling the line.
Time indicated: 11,33
